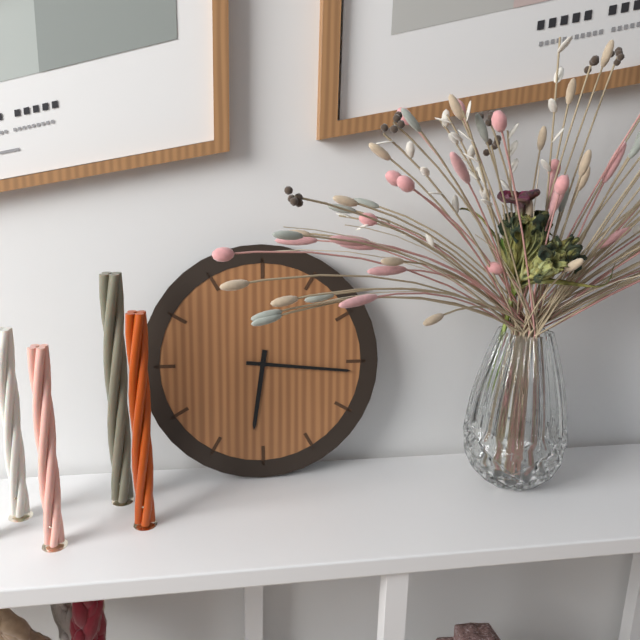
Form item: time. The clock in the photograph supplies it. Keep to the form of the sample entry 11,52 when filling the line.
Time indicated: 6,16
